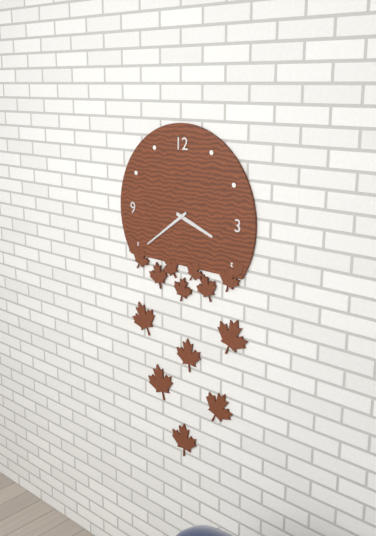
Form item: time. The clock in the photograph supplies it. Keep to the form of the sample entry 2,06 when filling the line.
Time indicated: 3,39
